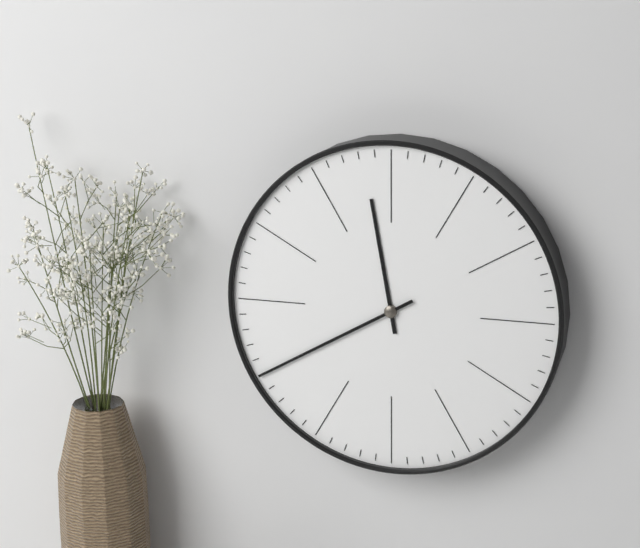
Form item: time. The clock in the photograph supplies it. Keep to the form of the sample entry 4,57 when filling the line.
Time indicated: 11,40
